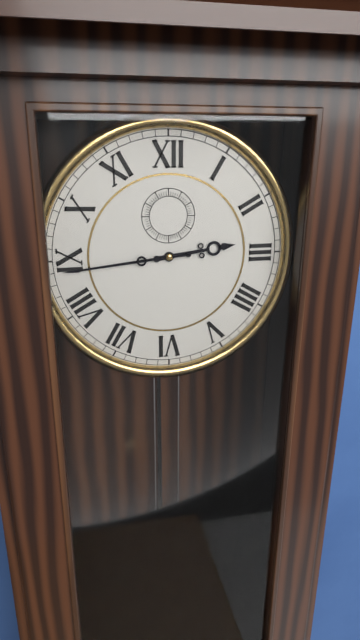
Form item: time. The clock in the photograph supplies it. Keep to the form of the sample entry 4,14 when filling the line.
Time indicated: 2,44
